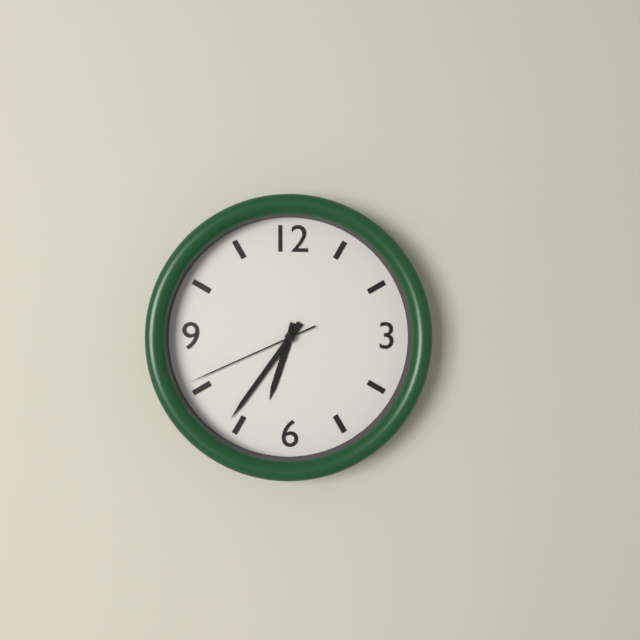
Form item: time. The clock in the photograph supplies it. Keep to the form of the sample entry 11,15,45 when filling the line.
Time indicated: 6,36,41
